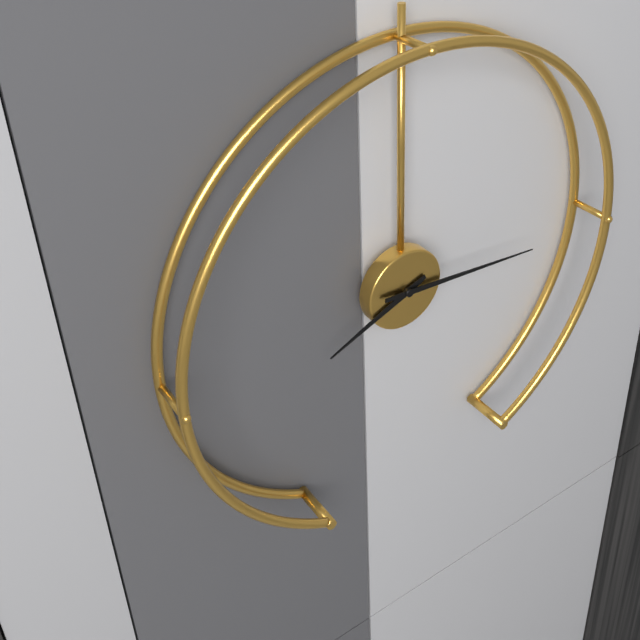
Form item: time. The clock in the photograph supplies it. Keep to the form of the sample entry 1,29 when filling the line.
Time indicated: 8,16
